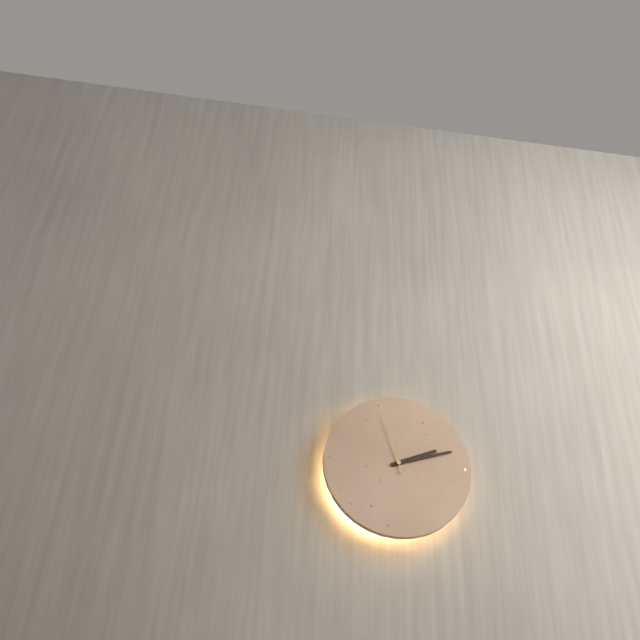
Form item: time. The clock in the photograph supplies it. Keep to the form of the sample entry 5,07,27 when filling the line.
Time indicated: 2,12,57
